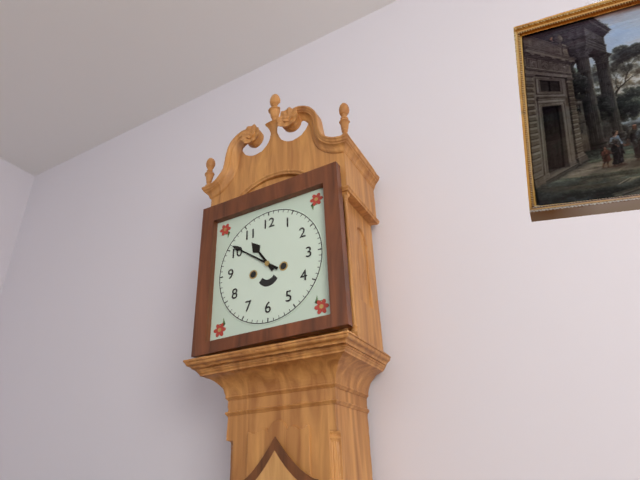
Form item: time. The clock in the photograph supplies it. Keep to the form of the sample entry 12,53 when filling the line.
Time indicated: 10,51
